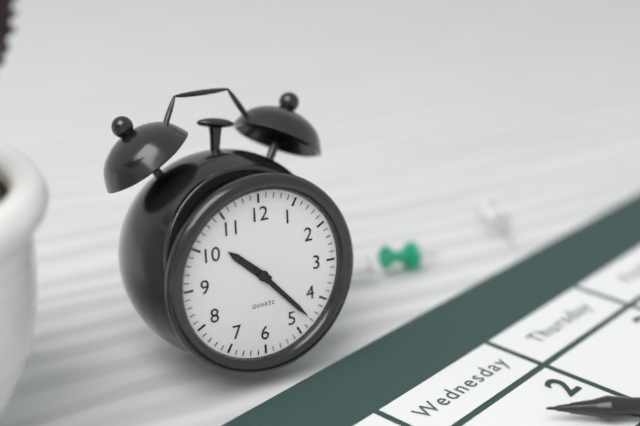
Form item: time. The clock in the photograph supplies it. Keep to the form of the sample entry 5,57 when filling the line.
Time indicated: 10,23
